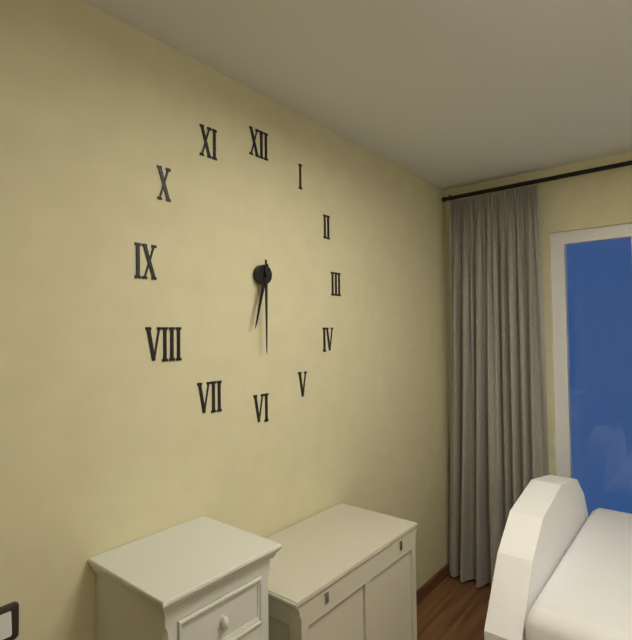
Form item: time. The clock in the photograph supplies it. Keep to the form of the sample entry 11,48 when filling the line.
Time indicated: 6,30
